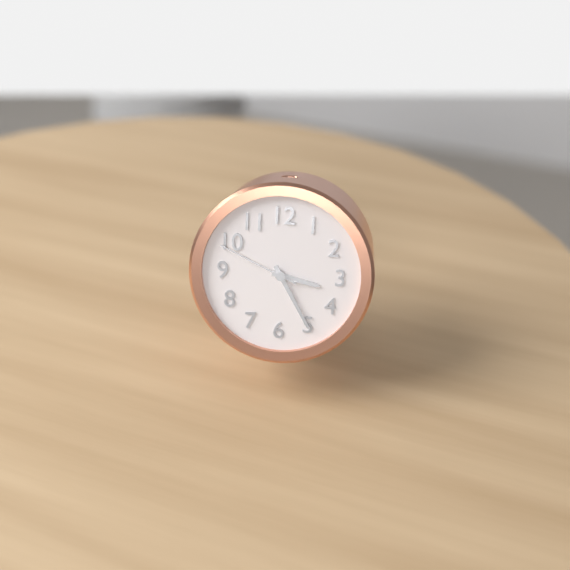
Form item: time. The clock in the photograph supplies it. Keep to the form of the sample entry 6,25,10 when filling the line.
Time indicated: 3,25,49
